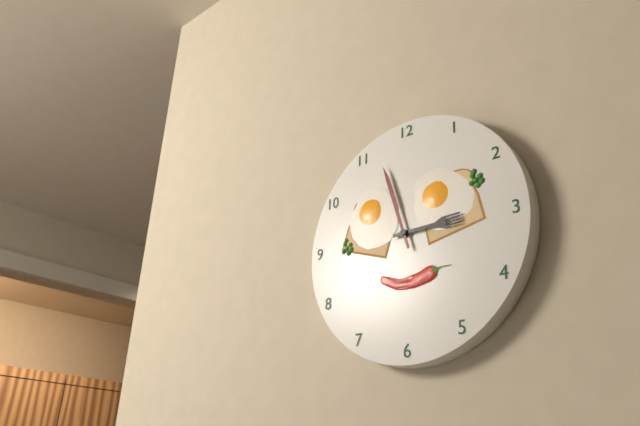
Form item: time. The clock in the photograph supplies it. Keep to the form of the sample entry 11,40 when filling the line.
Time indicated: 2,57
